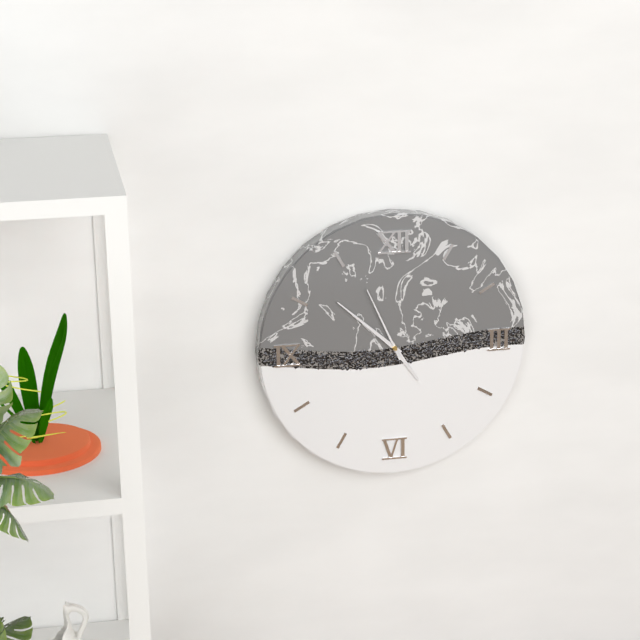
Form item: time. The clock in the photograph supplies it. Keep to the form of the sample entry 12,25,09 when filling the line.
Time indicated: 4,52,56
